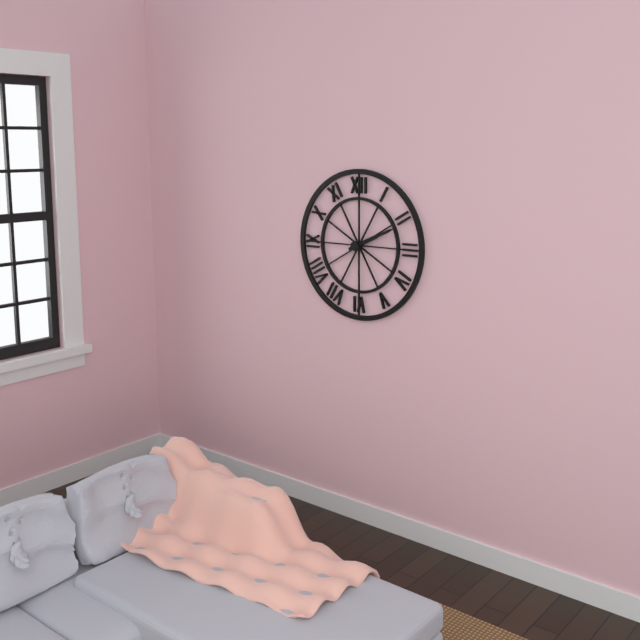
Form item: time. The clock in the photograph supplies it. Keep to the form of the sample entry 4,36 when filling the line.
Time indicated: 2,11
